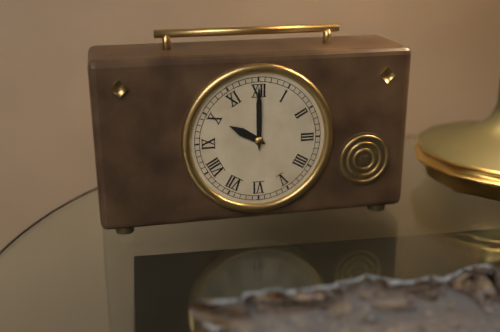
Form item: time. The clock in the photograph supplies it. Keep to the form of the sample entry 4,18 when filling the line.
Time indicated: 10,00
